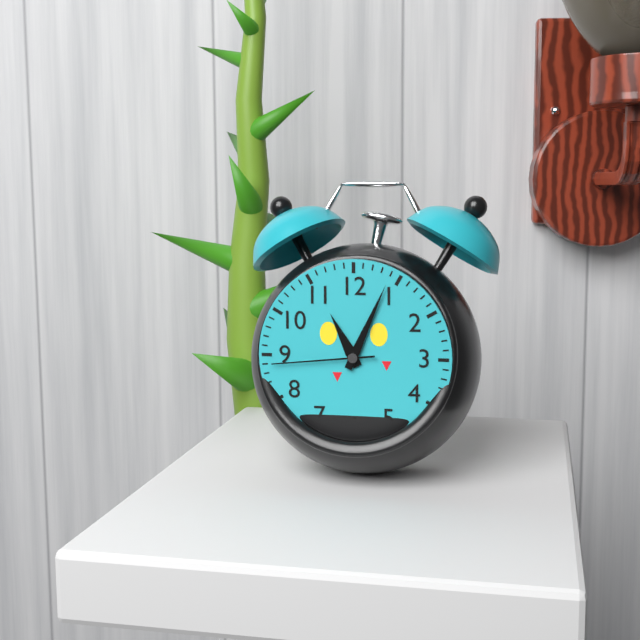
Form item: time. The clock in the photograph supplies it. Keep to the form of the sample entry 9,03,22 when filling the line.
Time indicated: 11,04,44
